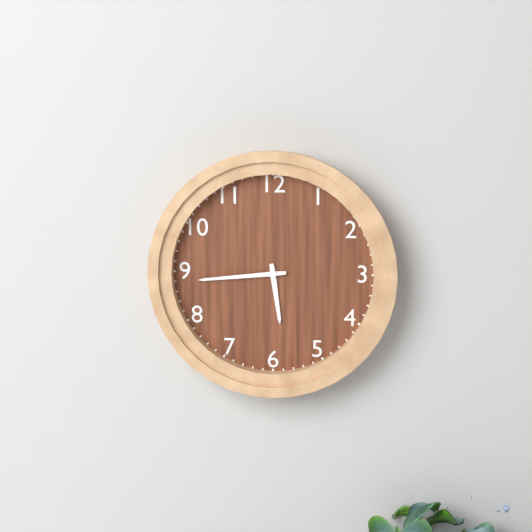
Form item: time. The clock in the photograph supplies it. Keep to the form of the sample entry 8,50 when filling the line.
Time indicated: 5,44
